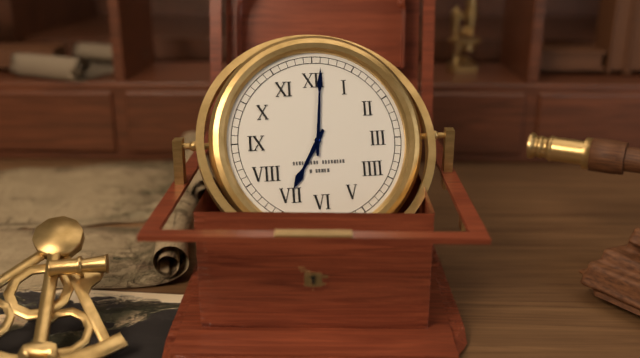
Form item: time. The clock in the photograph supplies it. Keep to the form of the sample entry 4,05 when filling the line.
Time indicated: 7,01
